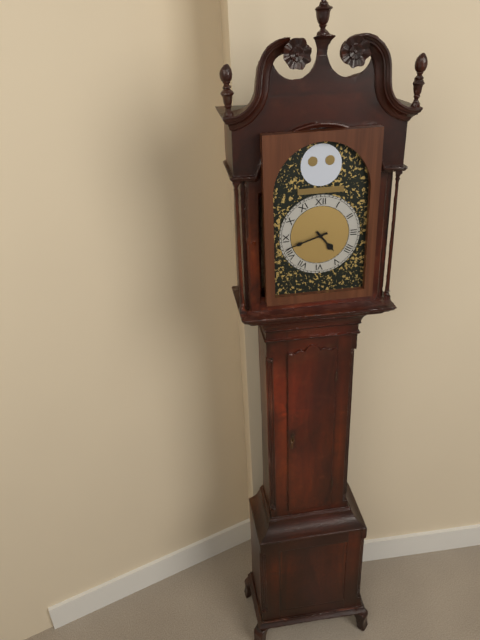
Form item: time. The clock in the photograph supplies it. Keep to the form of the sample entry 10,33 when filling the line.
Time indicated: 4,42
